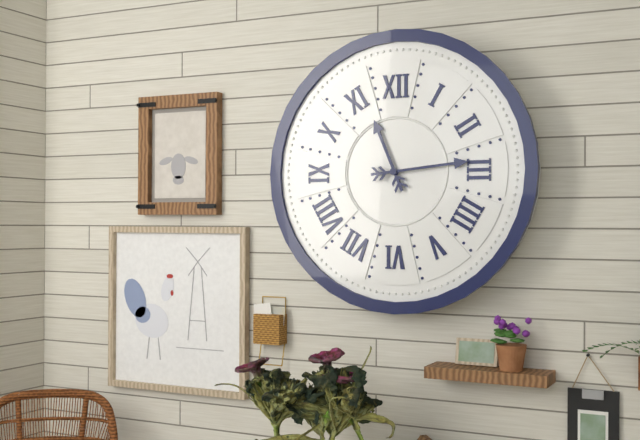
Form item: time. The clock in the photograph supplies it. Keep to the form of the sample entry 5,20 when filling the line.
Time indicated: 11,14
